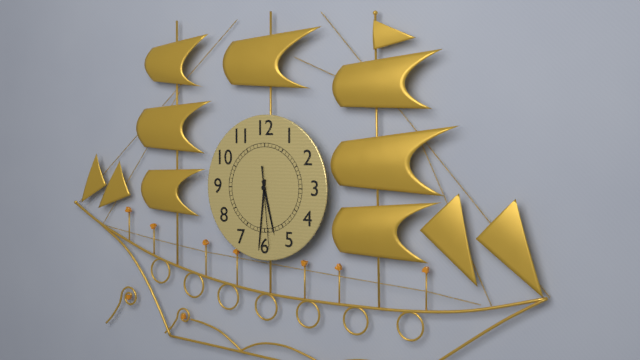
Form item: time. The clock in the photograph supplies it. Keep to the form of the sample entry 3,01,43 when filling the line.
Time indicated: 5,31,29
